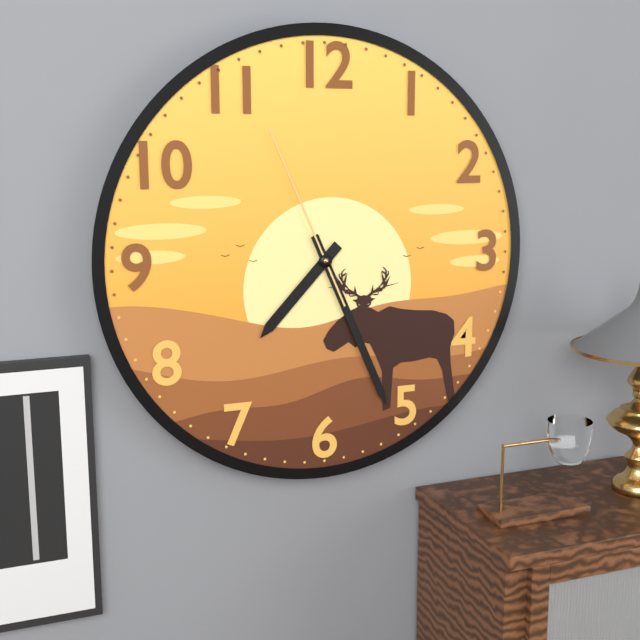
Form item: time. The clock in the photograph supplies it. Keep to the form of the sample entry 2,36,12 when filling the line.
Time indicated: 7,26,56
